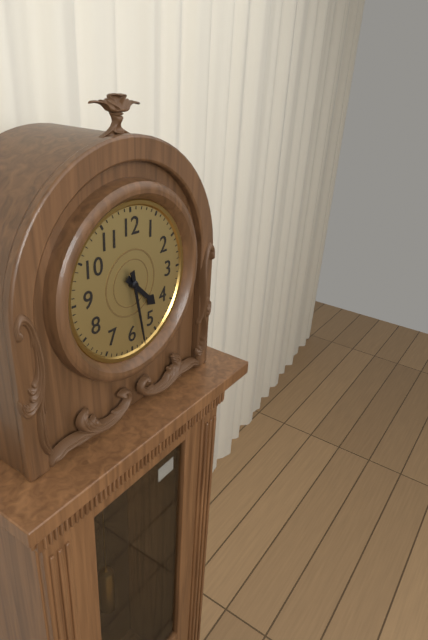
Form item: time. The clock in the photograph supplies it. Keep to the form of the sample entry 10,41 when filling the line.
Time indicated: 4,28
